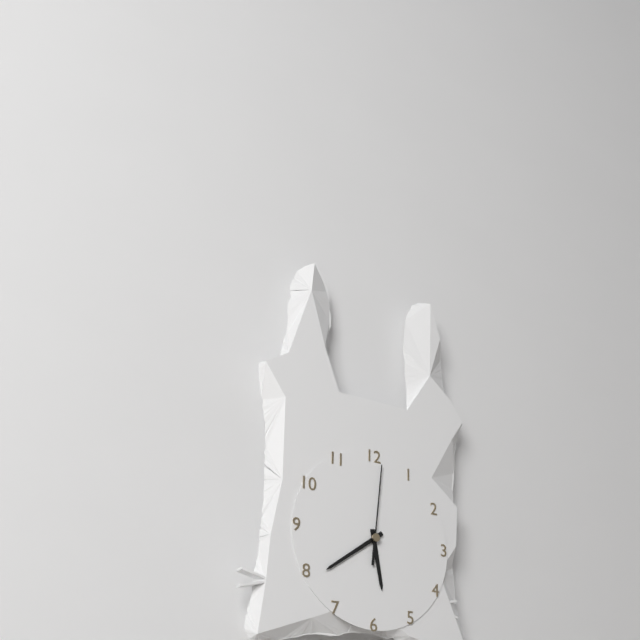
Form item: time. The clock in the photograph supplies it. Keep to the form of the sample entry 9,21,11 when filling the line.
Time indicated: 5,39,01
